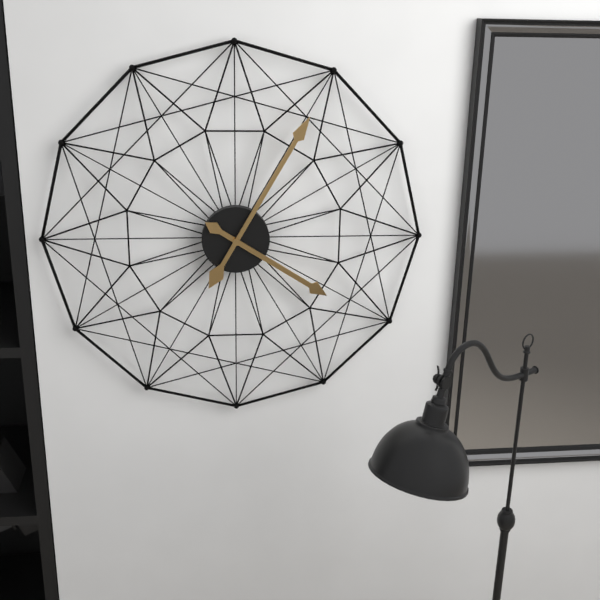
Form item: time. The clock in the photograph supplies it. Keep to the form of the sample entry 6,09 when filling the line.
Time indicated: 4,05
